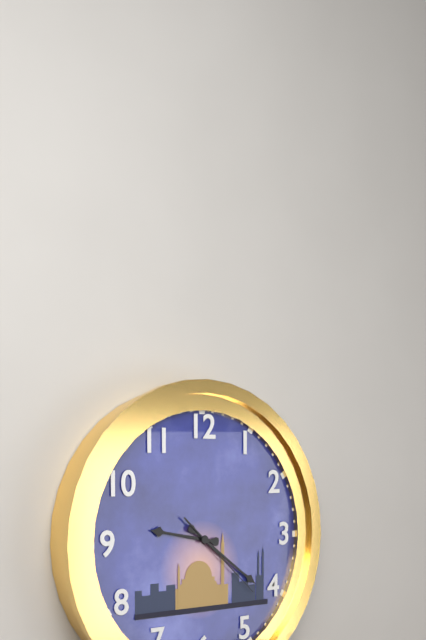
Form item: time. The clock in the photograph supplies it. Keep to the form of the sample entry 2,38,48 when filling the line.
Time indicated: 9,21,22
